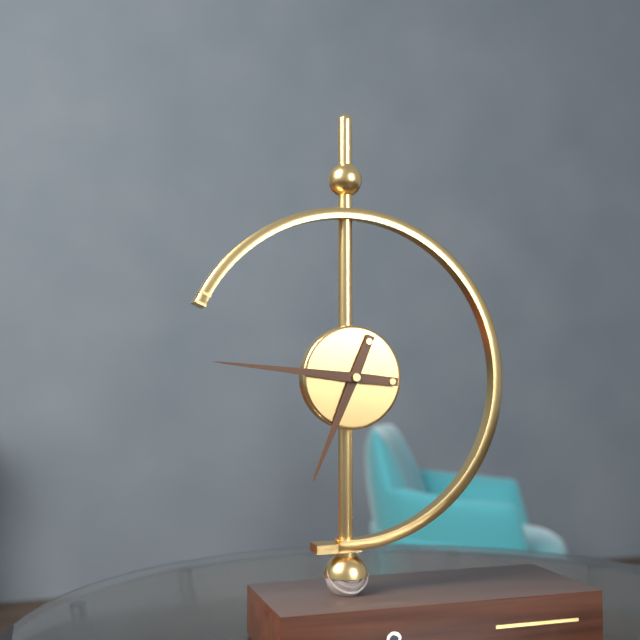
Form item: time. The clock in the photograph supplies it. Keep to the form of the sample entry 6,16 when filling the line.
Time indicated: 6,46
